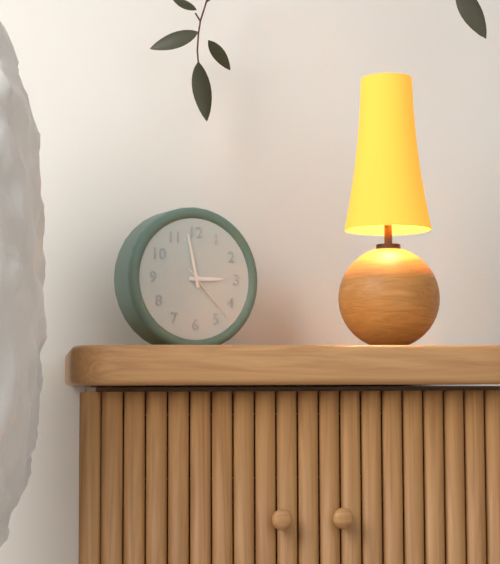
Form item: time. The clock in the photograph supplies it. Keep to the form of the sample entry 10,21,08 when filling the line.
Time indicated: 2,58,23
